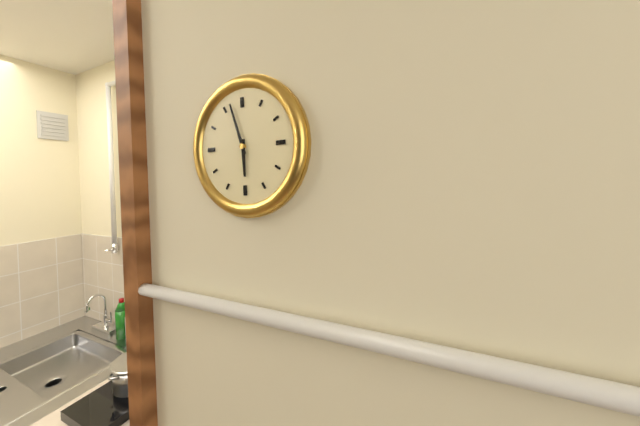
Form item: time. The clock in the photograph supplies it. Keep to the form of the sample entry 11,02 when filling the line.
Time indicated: 5,57
